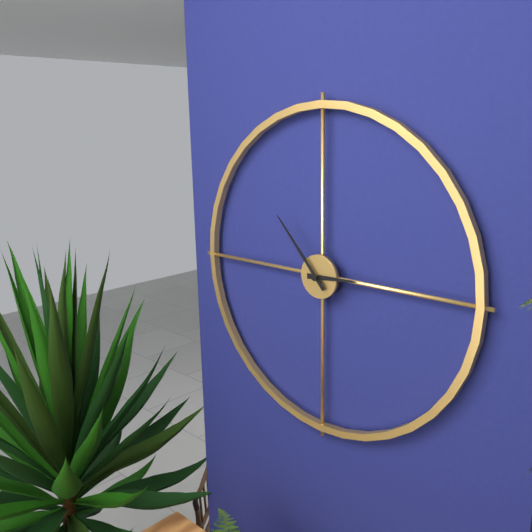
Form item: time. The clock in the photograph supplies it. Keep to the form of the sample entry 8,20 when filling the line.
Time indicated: 2,53
